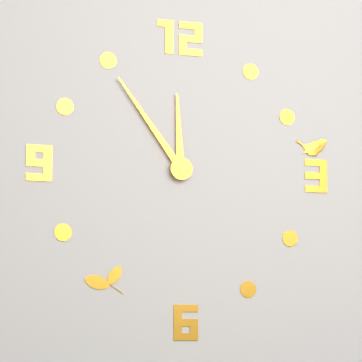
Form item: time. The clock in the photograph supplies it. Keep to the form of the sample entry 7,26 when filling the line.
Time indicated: 11,54
